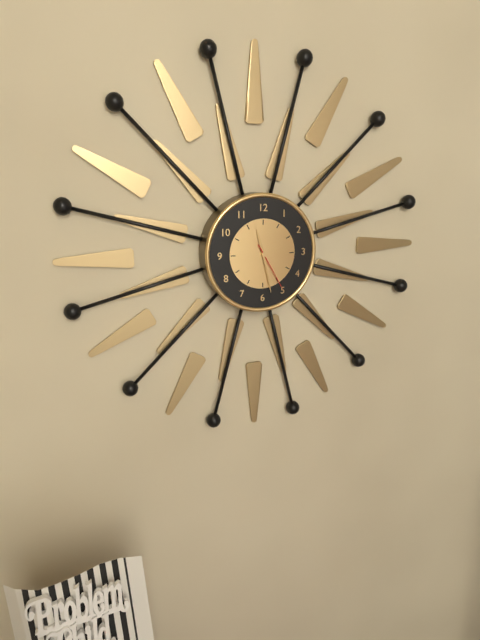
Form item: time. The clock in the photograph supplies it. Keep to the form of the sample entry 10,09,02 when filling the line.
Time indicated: 11,28,25
